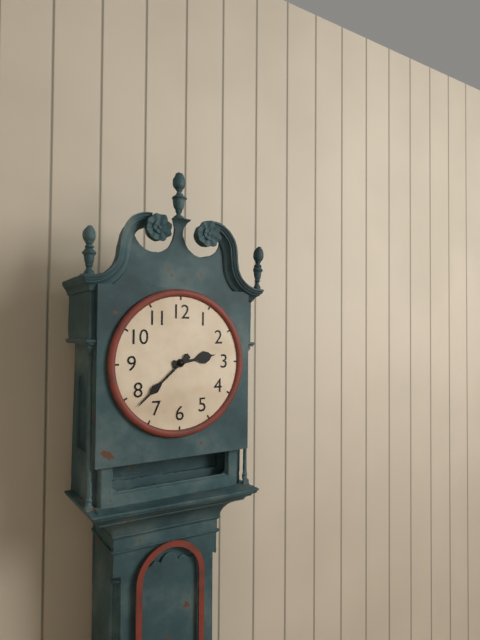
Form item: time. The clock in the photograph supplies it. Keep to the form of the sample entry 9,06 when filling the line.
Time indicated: 2,38
